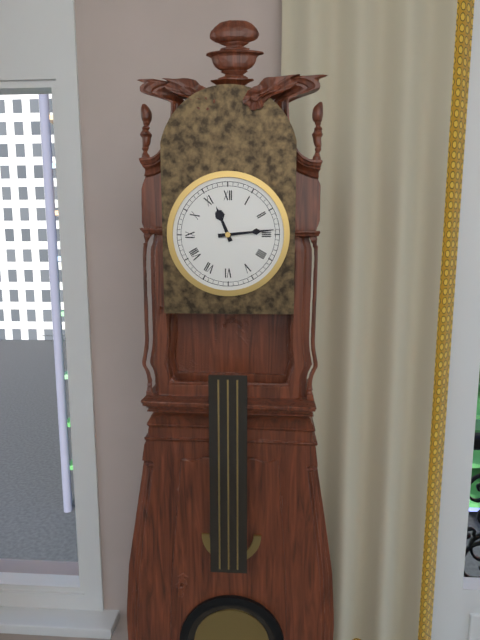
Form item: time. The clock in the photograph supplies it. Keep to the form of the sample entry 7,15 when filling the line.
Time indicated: 11,14
